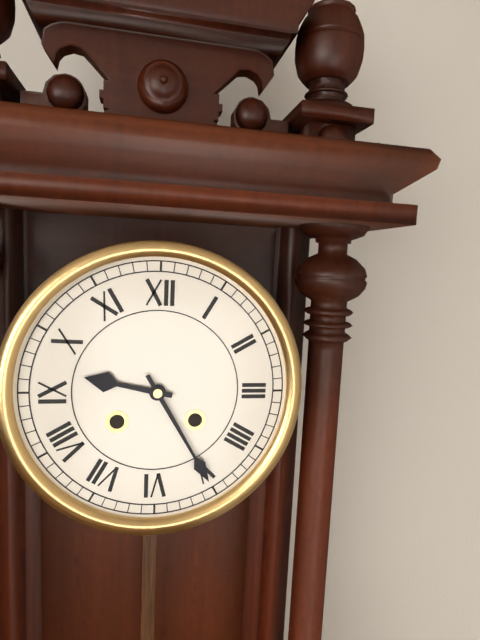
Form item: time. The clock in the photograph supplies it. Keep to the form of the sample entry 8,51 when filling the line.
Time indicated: 9,25
